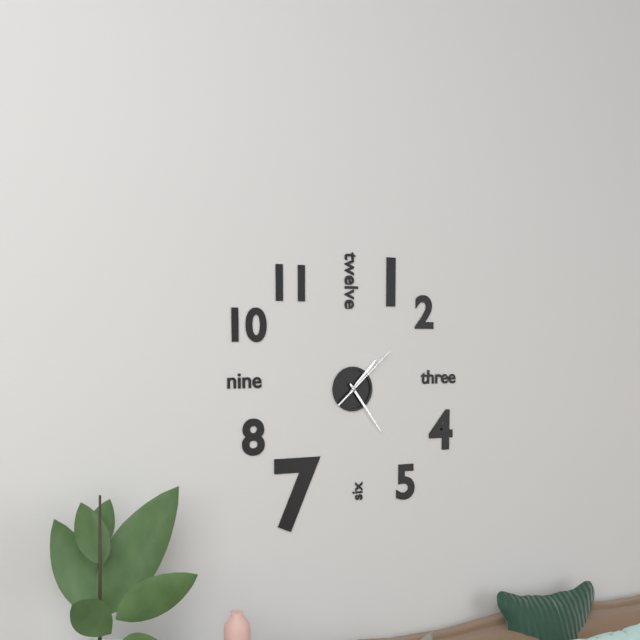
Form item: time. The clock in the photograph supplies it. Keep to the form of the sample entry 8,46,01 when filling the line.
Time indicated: 1,24,08
